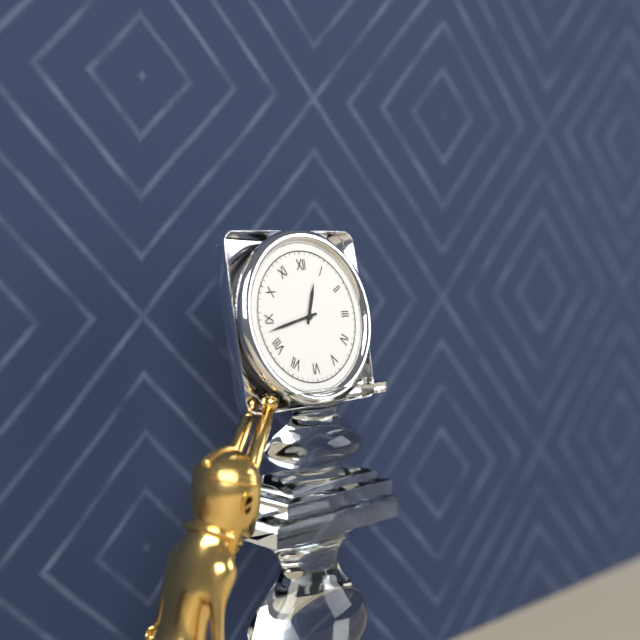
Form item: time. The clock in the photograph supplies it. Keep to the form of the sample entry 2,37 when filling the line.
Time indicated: 12,43
